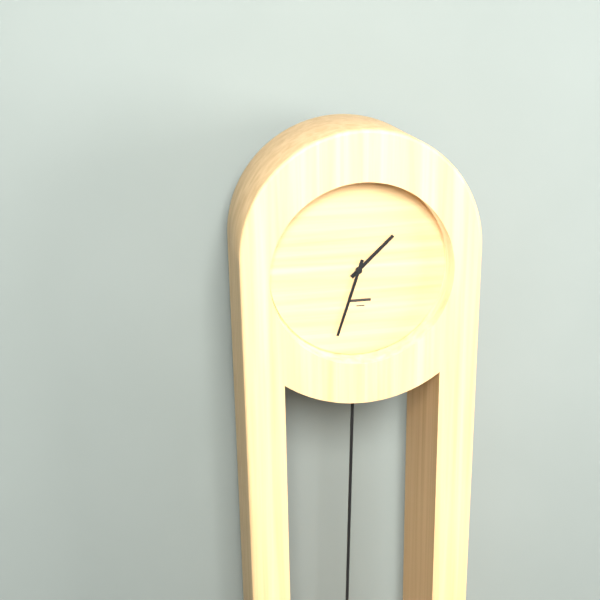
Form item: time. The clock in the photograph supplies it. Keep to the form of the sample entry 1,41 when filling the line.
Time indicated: 1,33
